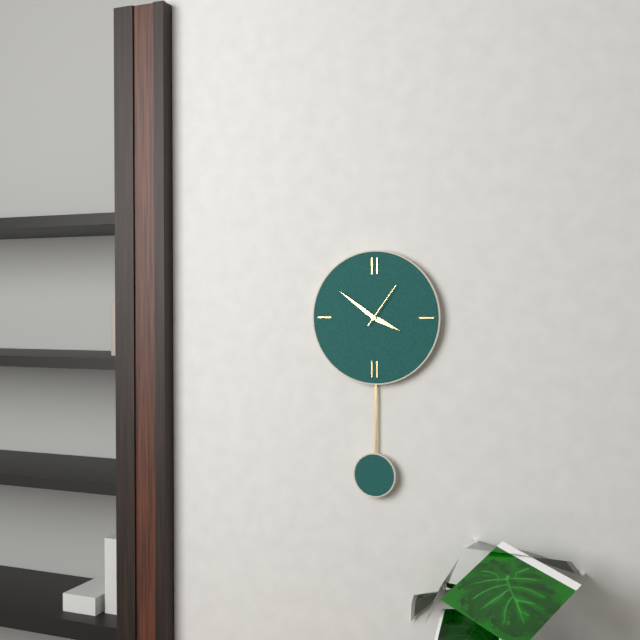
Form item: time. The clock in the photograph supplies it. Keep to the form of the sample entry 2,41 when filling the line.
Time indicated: 3,51
